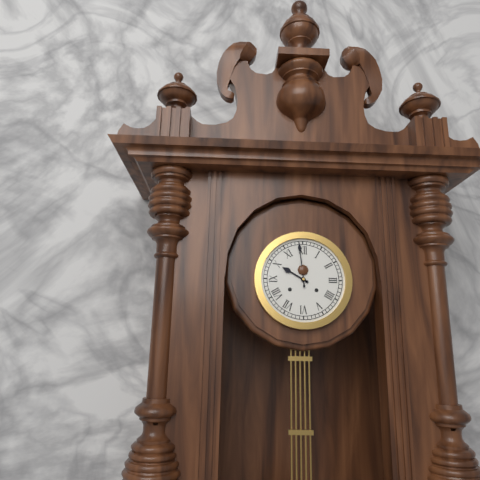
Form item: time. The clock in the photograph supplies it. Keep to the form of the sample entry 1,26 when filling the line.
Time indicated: 9,59
